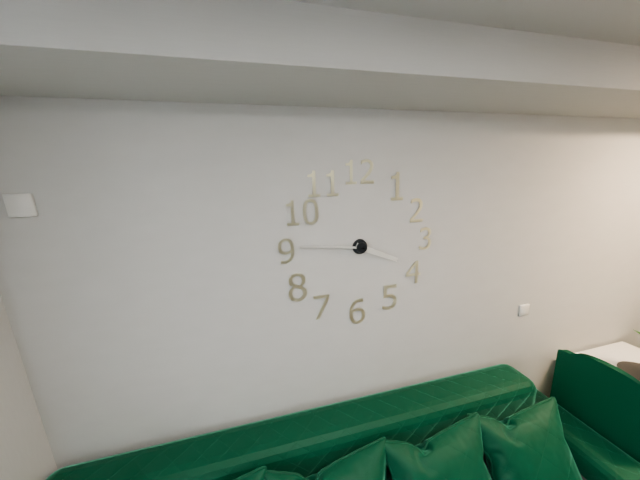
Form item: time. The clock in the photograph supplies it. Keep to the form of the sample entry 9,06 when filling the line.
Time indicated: 3,46
